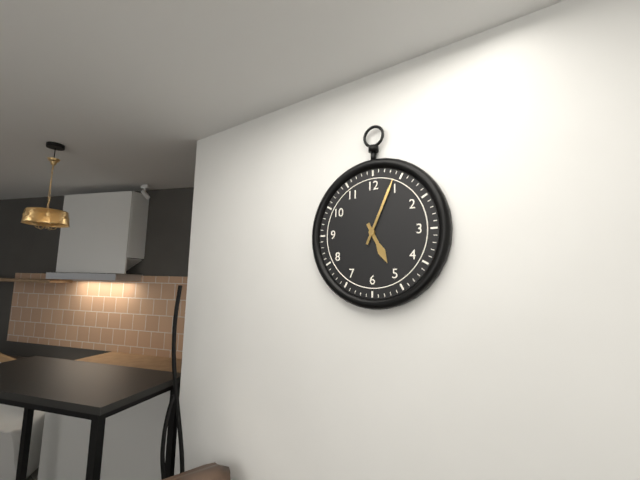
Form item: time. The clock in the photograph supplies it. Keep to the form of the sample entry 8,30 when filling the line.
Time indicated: 5,04
